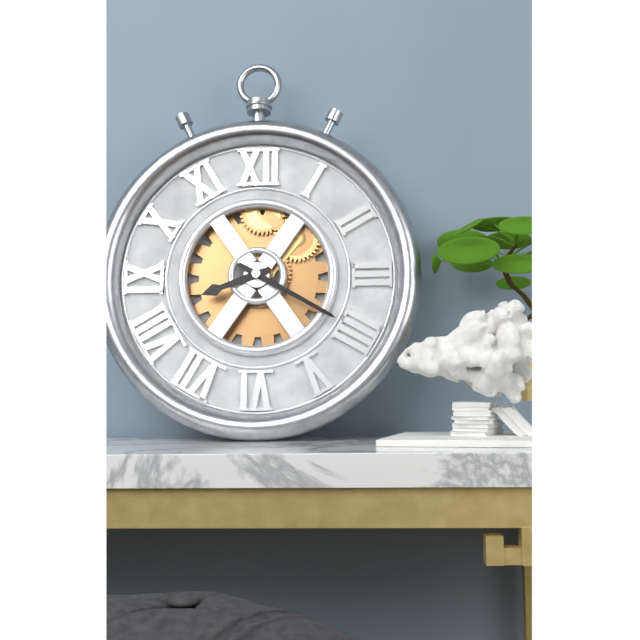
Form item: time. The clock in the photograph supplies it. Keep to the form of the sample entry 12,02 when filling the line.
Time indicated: 8,20
